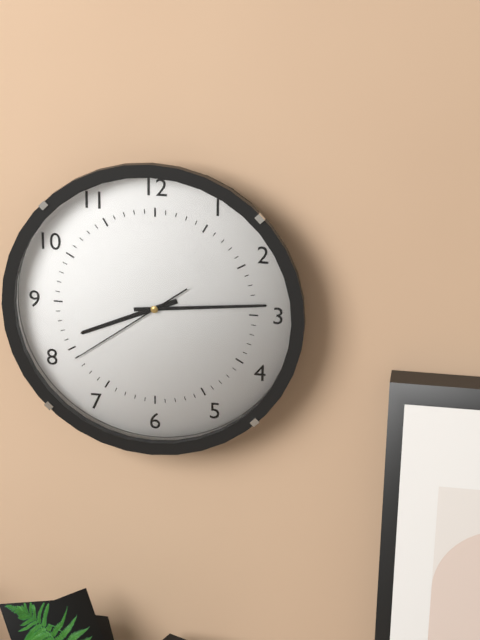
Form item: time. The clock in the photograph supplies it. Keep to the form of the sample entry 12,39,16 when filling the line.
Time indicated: 8,14,39
